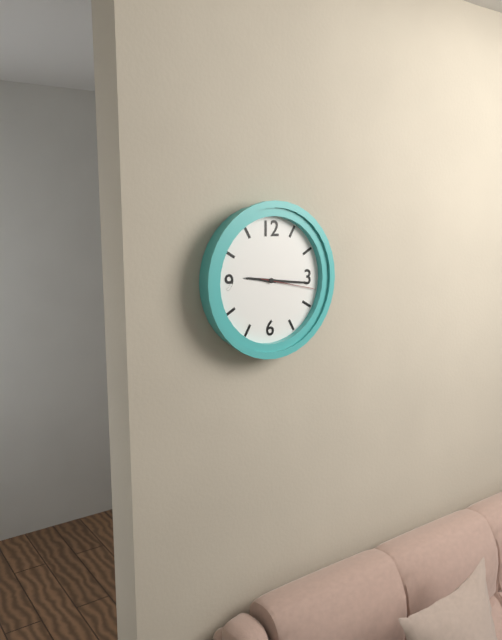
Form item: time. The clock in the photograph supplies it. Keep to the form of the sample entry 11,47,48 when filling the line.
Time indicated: 9,16,17
